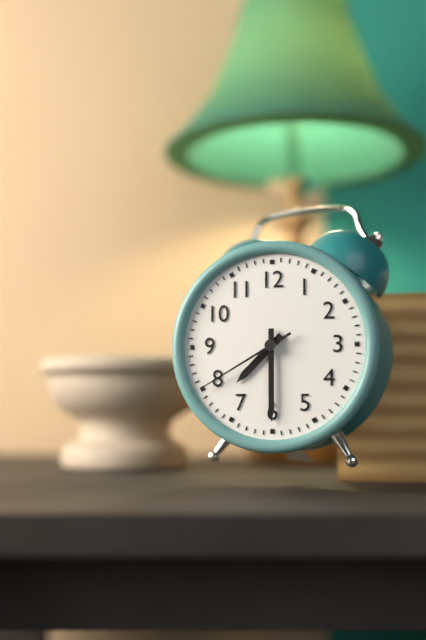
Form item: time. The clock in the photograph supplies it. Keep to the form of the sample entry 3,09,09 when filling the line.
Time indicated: 7,30,40
